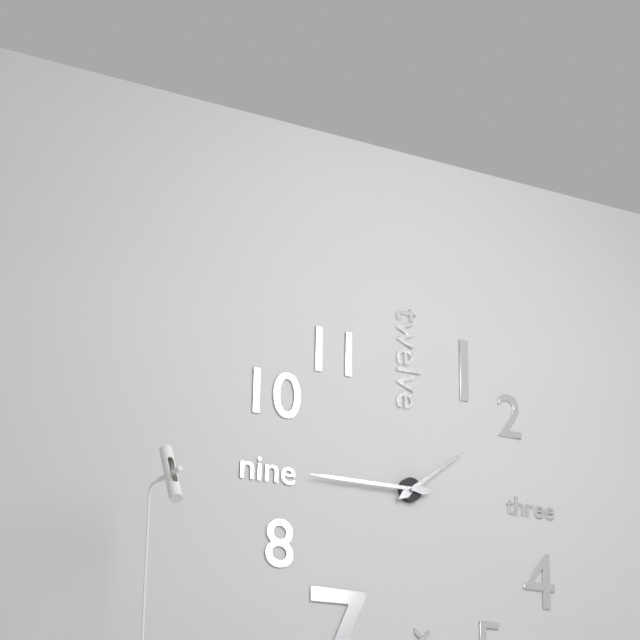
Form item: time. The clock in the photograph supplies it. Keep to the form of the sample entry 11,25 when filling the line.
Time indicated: 1,45
